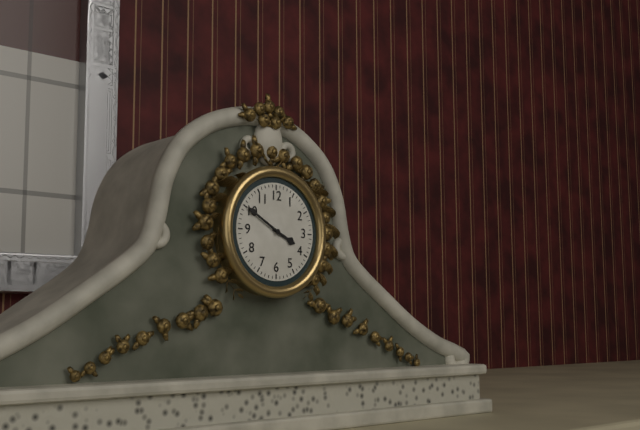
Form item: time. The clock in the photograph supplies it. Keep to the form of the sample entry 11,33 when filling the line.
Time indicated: 3,50
